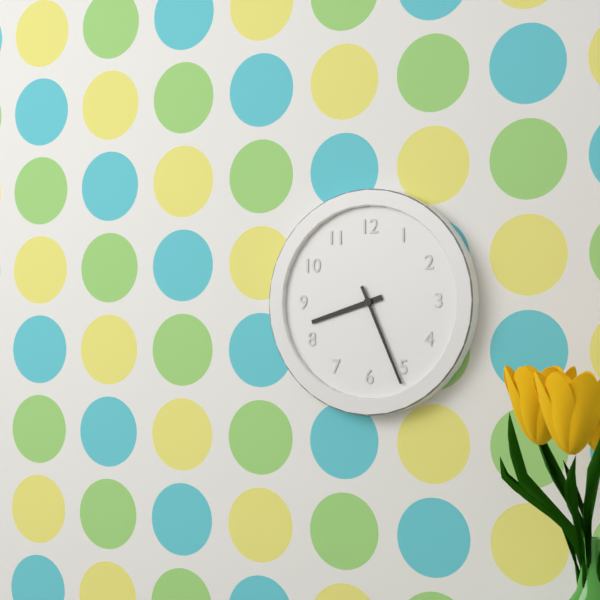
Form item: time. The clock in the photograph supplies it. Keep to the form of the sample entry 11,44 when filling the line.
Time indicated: 8,26
